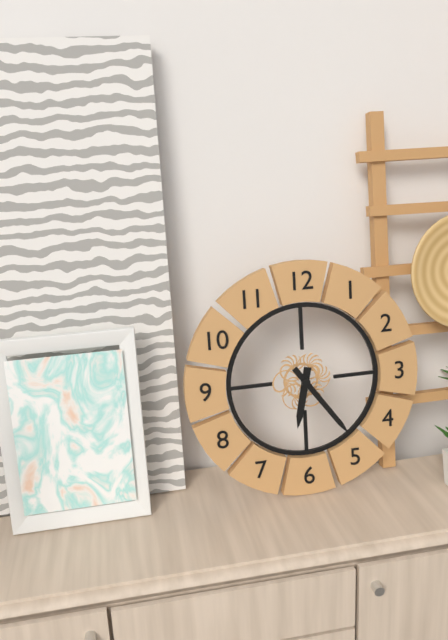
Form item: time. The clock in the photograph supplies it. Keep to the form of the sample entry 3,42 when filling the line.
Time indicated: 6,24
